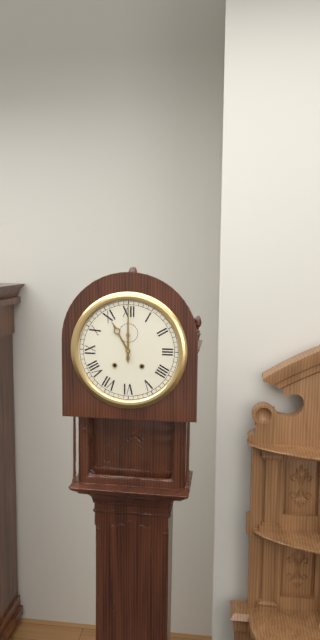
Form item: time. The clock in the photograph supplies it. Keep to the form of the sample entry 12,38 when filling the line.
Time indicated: 11,00
